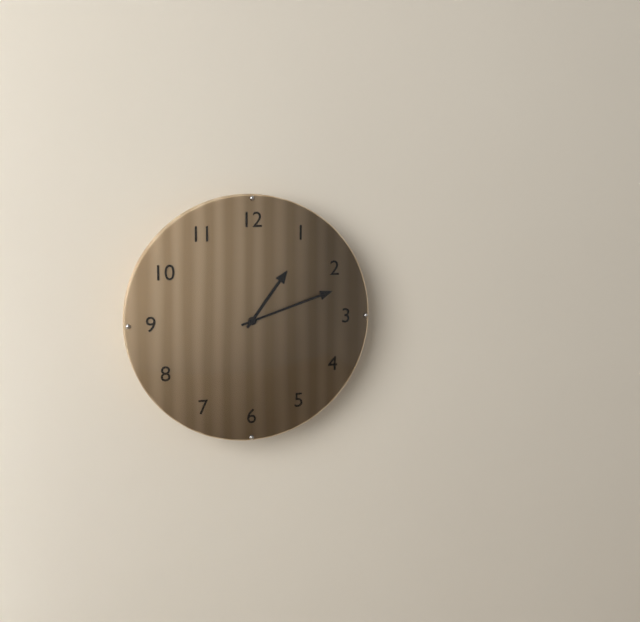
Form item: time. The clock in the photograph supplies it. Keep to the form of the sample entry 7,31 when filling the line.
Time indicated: 1,12
